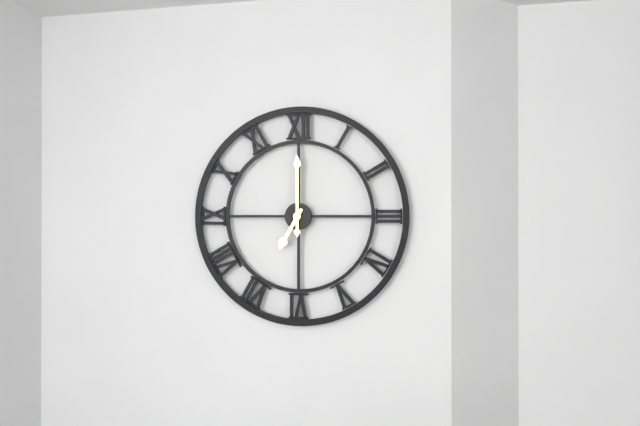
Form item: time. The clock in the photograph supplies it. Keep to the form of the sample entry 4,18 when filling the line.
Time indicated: 7,00
